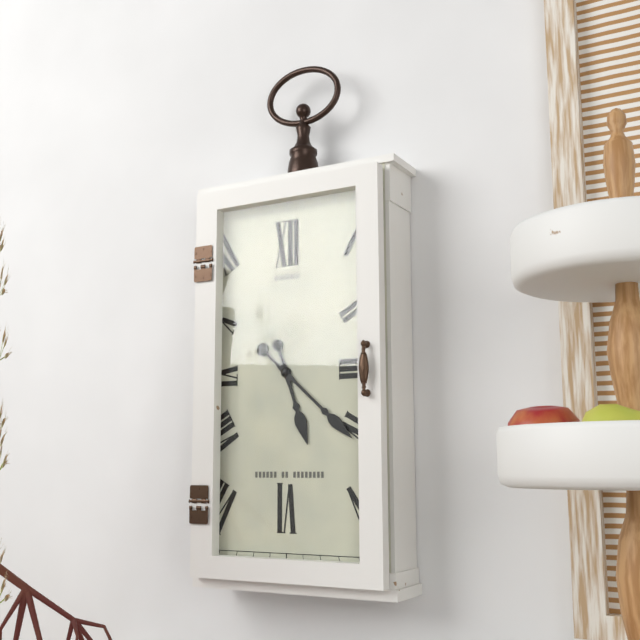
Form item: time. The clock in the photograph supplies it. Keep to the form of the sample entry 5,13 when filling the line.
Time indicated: 5,22
